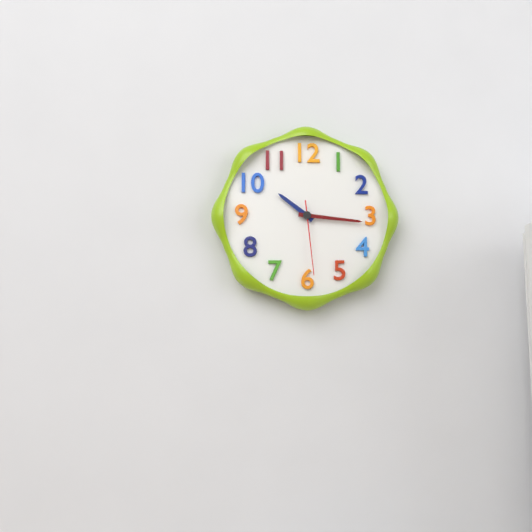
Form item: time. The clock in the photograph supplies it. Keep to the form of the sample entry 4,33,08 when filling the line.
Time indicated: 10,16,29
